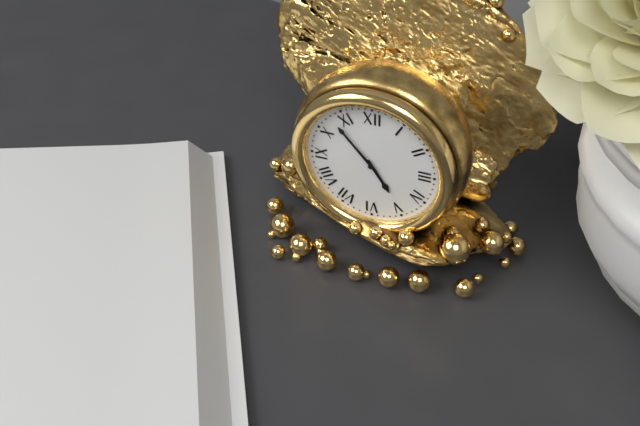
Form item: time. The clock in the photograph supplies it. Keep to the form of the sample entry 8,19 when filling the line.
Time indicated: 4,53
